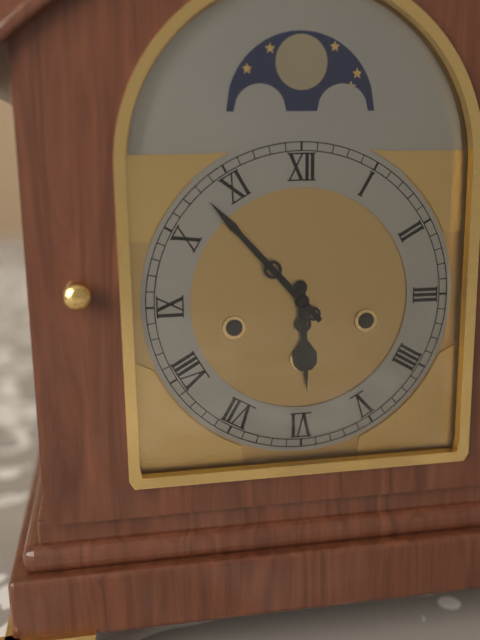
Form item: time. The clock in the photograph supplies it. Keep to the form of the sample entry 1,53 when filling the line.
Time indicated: 5,53
